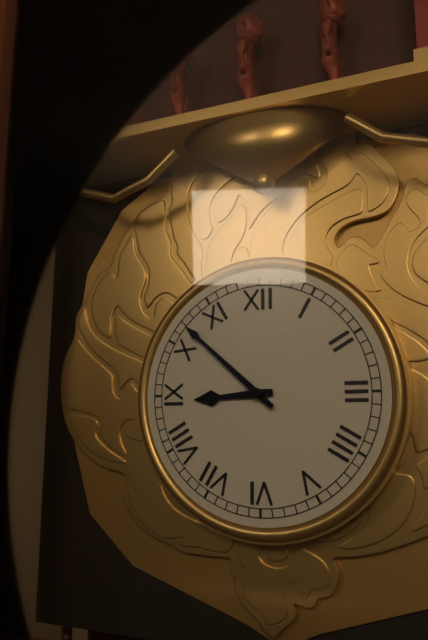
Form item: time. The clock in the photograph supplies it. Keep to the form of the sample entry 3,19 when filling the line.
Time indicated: 8,52
